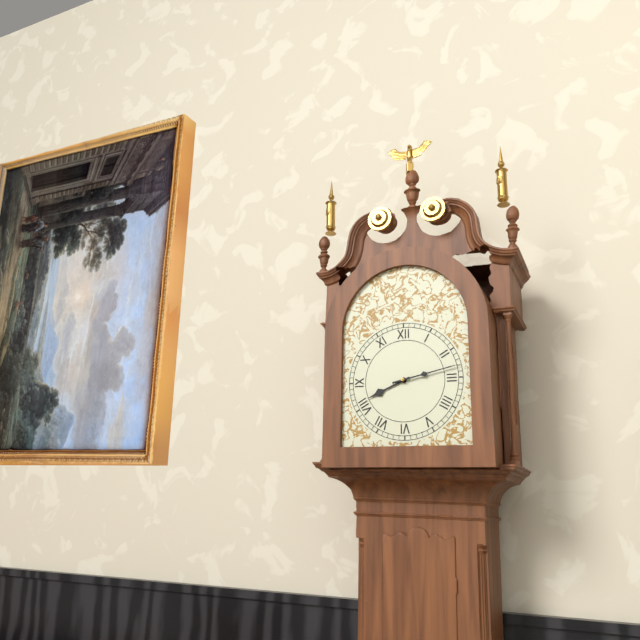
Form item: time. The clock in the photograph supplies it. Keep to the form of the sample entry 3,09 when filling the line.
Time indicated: 8,13
